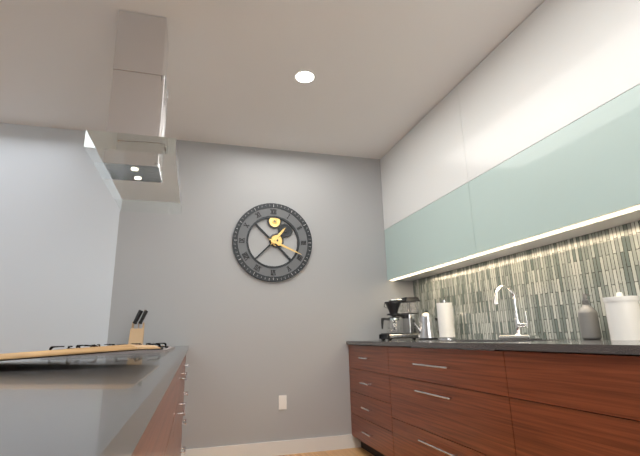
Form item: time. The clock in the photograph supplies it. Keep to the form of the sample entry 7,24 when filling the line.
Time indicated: 1,19
